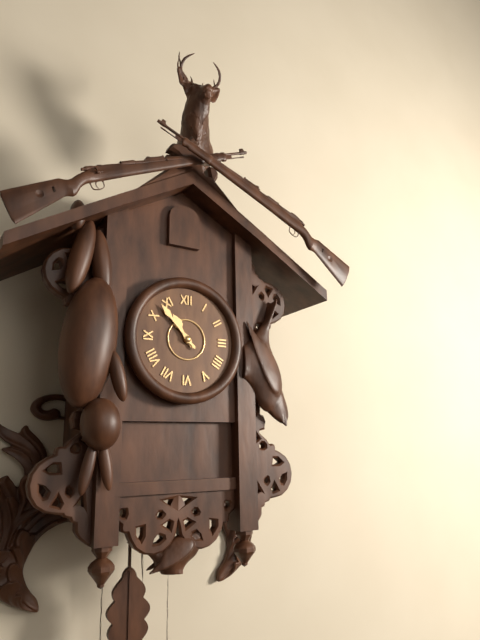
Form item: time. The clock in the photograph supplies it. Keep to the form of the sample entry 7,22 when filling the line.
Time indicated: 10,53
